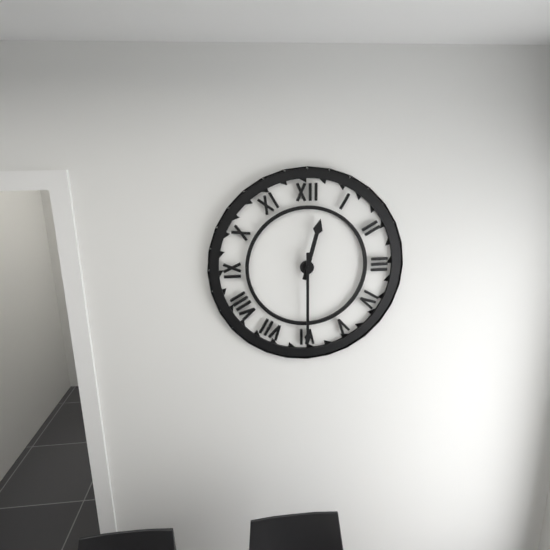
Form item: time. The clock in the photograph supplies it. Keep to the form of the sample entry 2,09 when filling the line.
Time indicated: 12,30
